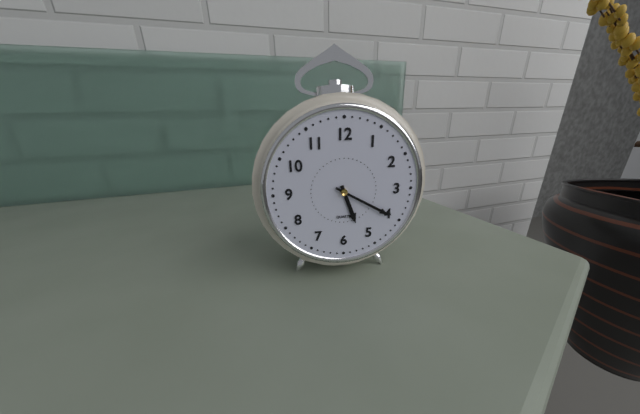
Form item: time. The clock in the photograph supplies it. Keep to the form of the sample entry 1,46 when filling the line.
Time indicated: 5,20
